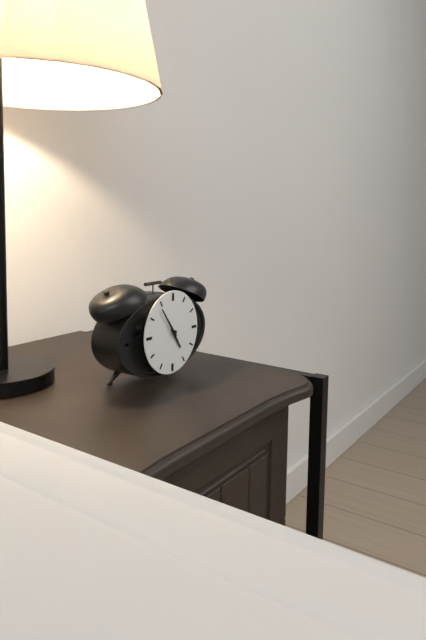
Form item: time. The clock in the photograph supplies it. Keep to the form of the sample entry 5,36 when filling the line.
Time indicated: 4,54
